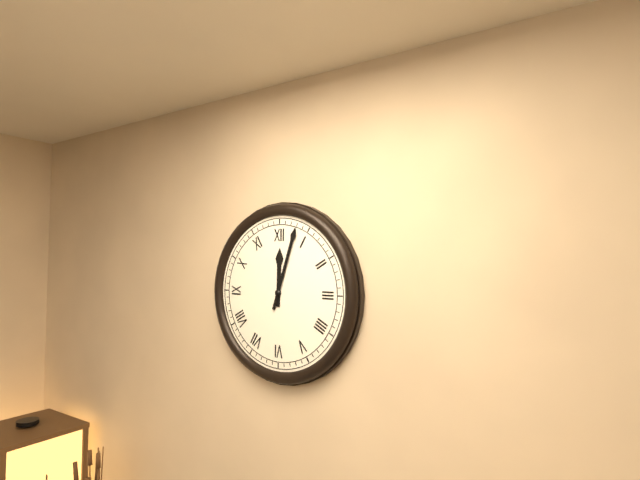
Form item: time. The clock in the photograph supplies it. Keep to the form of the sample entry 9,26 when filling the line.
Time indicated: 12,03
